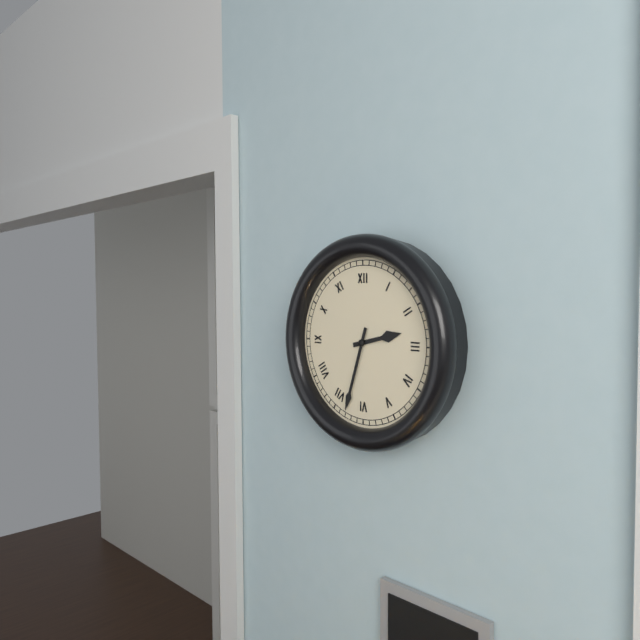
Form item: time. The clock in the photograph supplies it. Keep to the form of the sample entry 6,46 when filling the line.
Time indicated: 2,33
